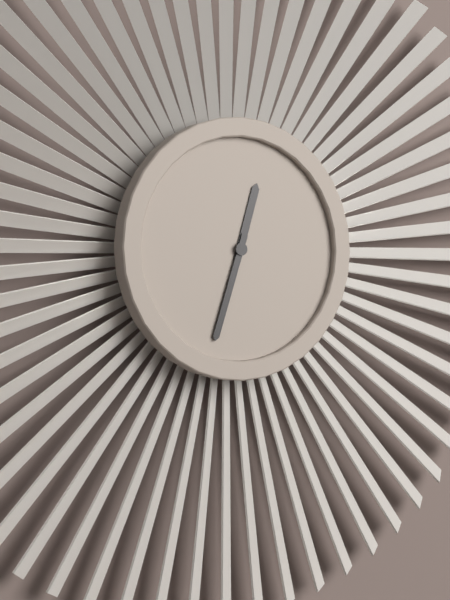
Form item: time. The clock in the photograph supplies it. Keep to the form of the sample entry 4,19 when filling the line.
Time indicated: 12,33
